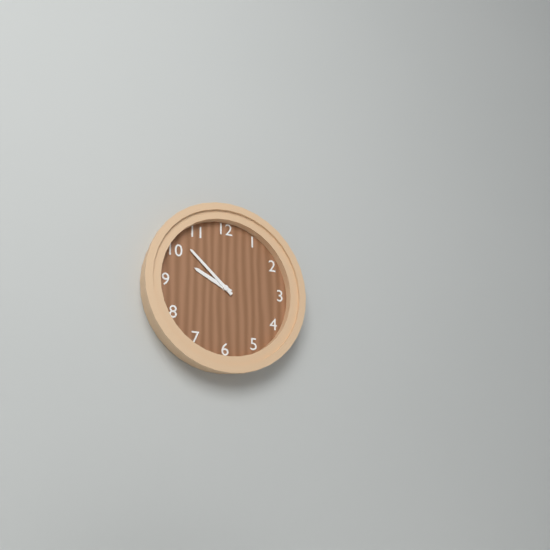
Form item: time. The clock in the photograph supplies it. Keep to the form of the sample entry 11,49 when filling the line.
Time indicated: 9,52
